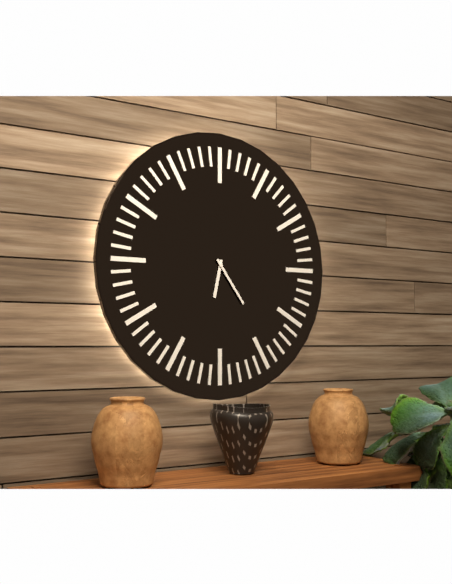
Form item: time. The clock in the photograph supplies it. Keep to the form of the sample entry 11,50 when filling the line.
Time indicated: 6,24
